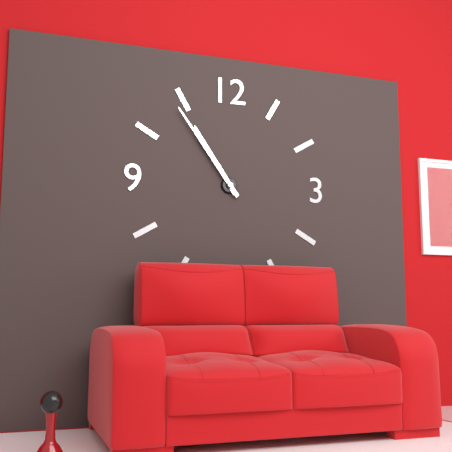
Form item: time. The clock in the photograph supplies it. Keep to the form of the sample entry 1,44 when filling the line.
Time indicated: 10,54
